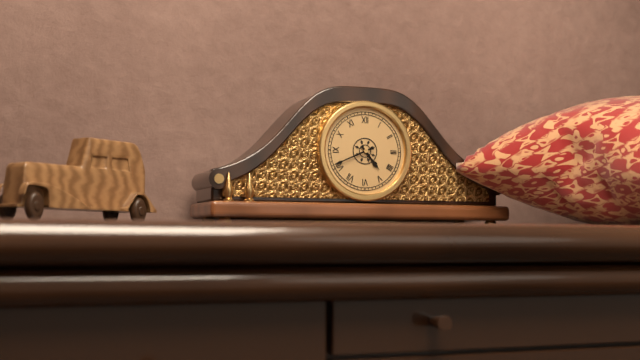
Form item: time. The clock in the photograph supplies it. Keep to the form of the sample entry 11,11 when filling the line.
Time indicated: 4,41
